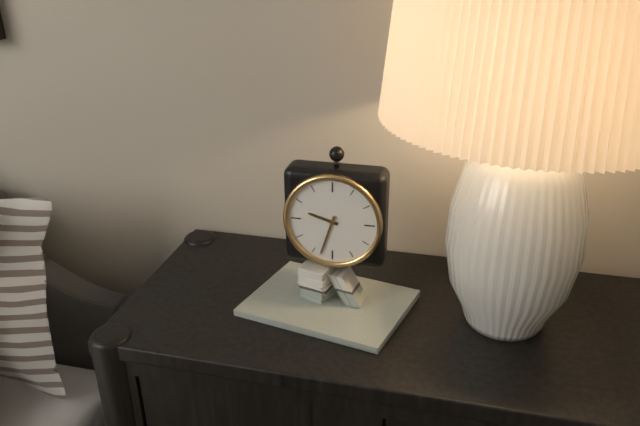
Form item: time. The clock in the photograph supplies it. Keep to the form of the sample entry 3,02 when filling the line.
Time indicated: 9,33
